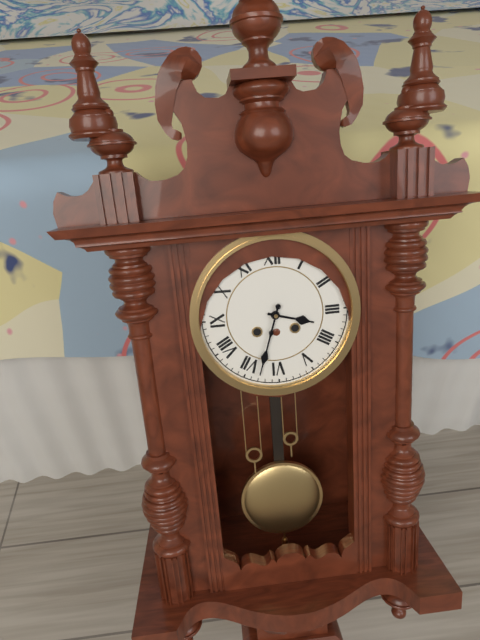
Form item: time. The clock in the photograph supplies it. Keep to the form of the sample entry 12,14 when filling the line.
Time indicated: 3,33
